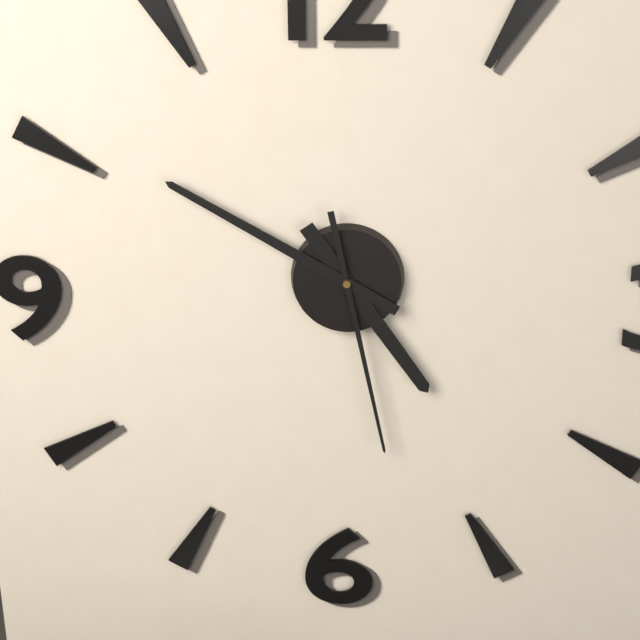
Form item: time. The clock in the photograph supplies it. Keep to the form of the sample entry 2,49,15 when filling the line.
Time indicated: 4,50,28
